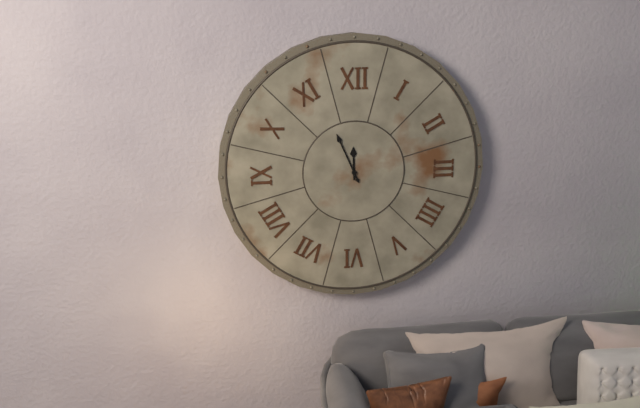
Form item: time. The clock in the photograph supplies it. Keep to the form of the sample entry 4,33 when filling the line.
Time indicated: 11,56
